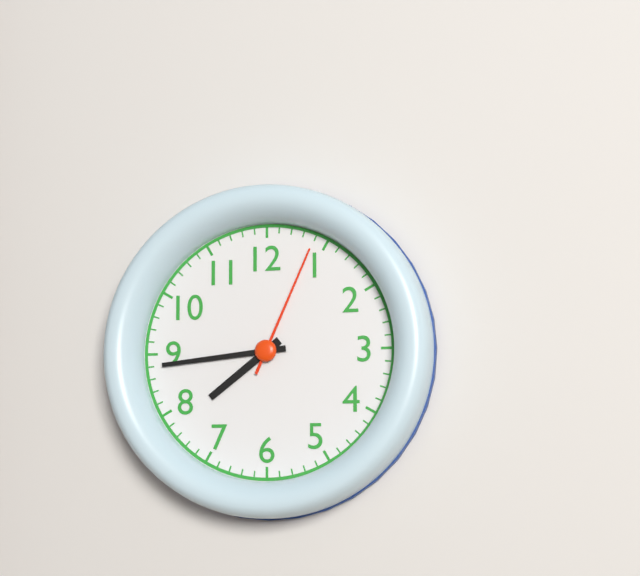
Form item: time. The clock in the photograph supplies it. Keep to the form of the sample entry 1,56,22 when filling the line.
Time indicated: 7,44,04
